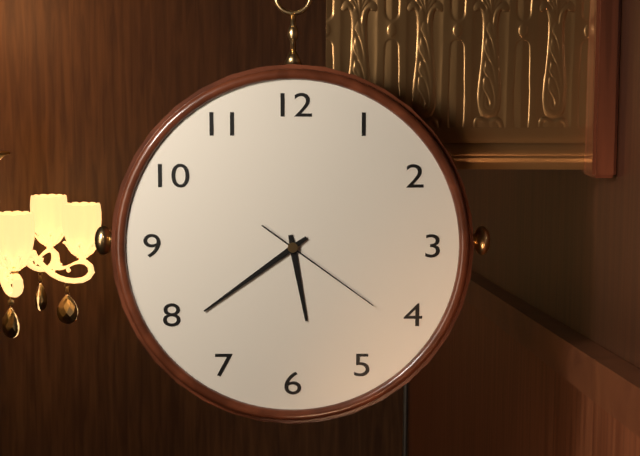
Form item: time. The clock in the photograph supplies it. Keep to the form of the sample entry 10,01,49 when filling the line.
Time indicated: 5,39,21
